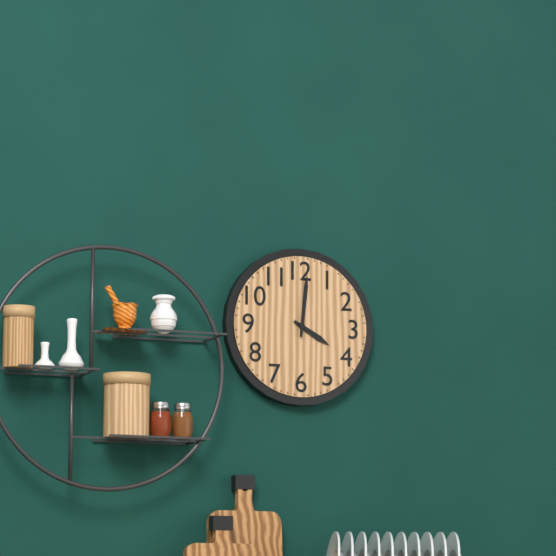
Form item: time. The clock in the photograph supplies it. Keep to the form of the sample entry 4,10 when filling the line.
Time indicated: 4,01
